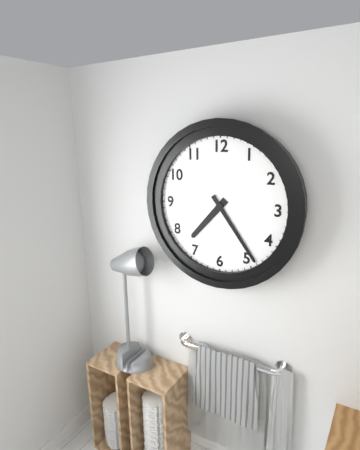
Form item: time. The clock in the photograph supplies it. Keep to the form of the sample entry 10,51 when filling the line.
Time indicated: 7,24
